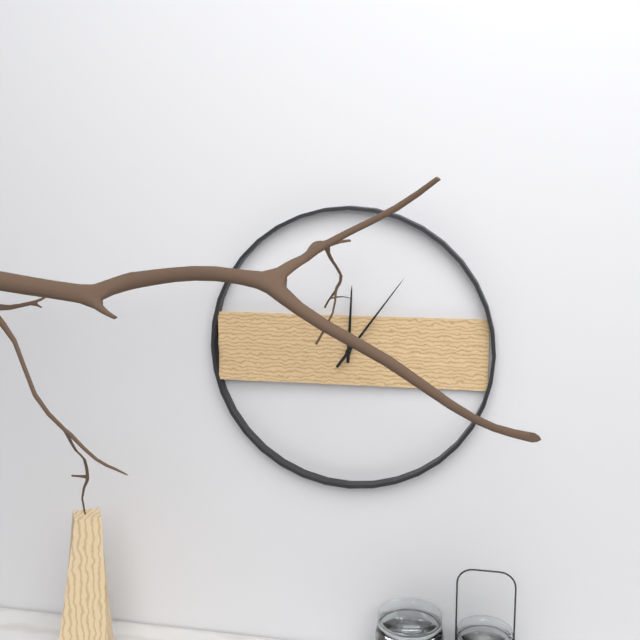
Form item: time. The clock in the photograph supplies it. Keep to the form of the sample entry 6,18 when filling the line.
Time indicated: 12,06
